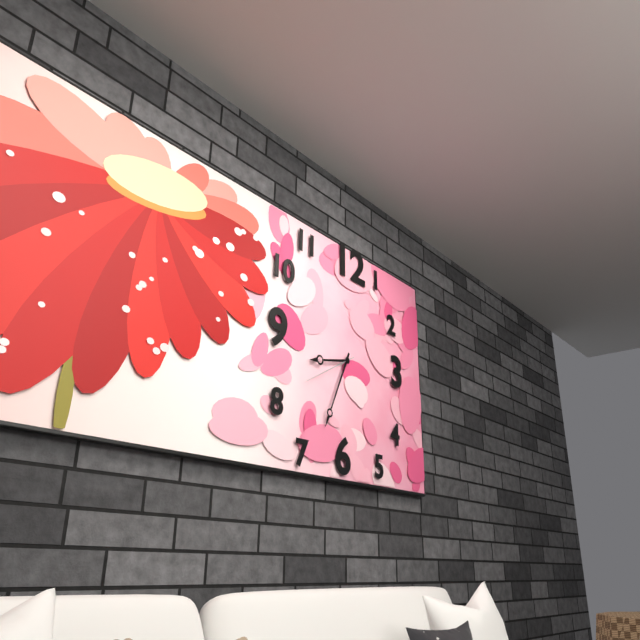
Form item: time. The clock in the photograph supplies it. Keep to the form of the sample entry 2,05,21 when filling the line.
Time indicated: 8,34,40
